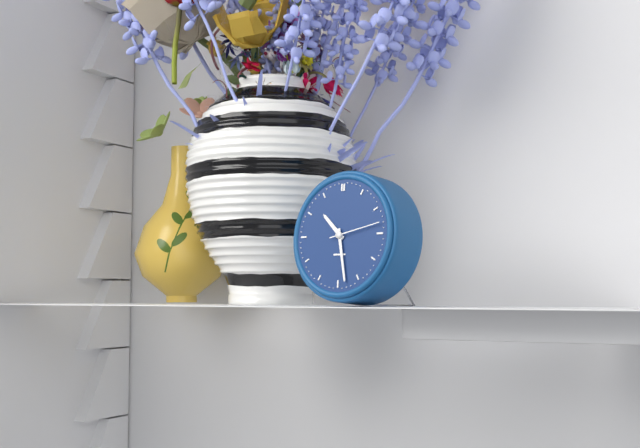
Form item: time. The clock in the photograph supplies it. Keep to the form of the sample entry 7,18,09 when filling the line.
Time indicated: 10,28,13
